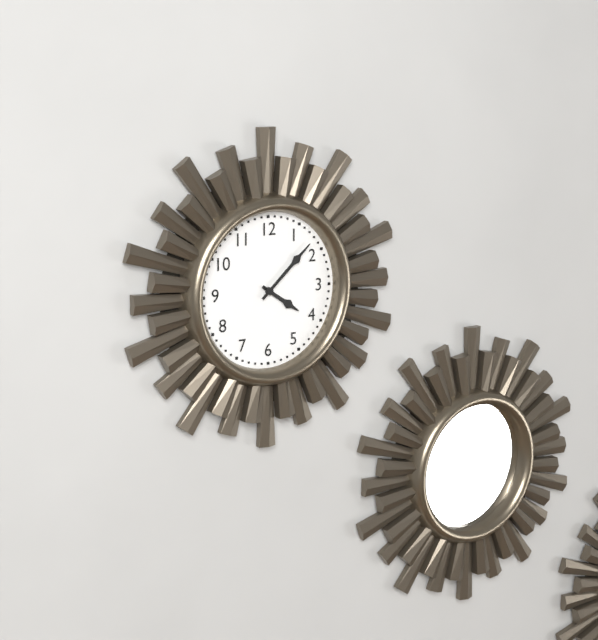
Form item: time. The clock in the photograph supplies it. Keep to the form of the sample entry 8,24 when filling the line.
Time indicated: 4,08
